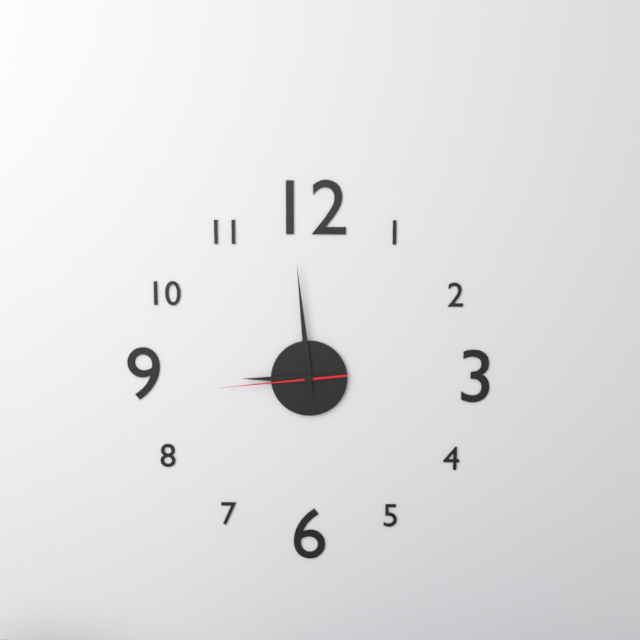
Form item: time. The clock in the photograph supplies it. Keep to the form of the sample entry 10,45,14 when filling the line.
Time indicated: 8,59,44
